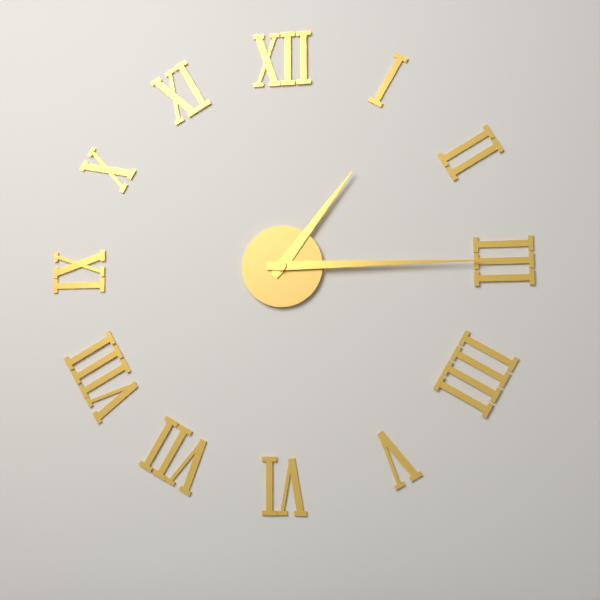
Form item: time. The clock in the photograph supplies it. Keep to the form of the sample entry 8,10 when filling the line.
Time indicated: 1,15
